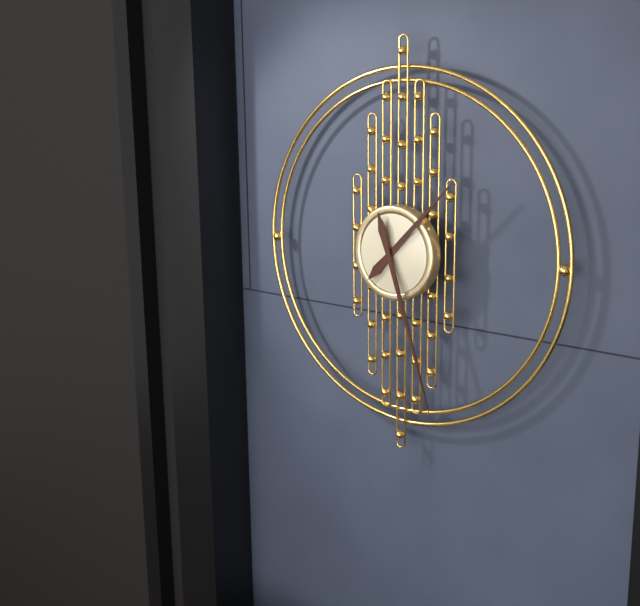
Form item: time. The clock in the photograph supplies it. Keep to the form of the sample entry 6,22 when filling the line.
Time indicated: 1,27
